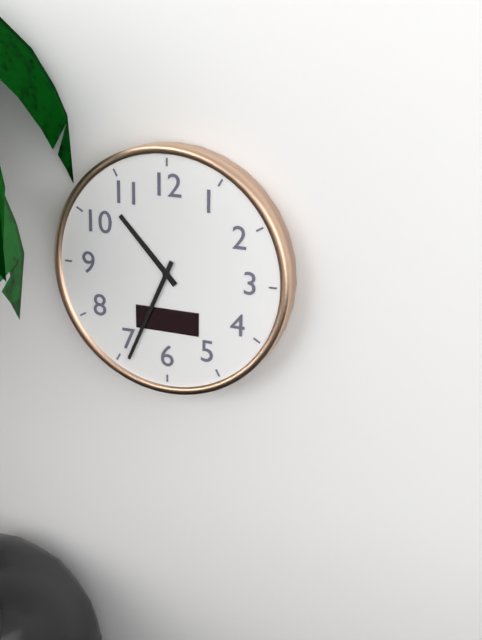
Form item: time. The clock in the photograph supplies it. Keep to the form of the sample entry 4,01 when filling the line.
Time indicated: 10,34
